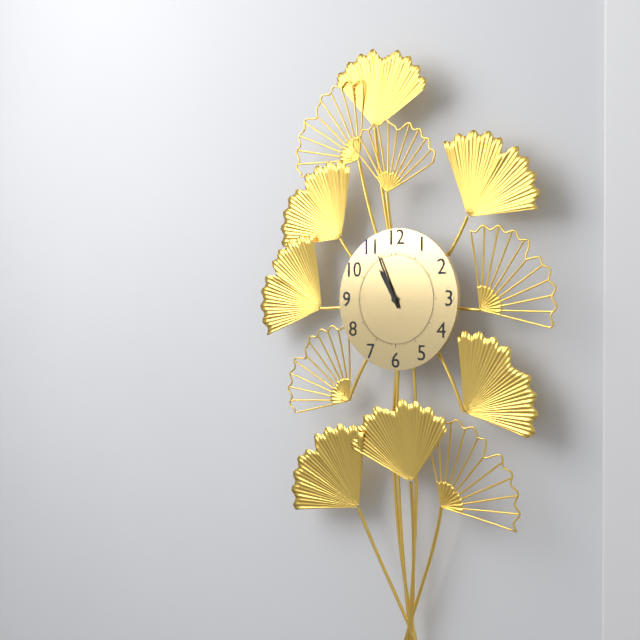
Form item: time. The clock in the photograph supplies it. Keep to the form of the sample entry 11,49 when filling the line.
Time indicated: 10,56
